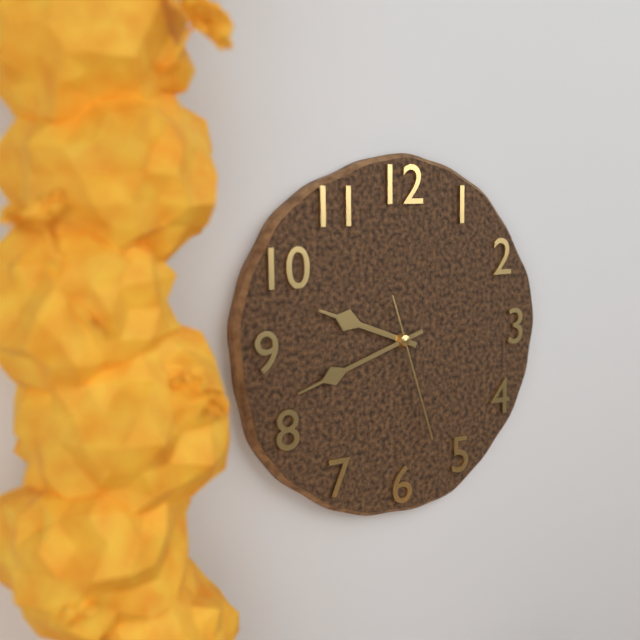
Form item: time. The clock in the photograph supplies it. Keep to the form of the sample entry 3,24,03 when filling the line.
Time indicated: 9,42,27
